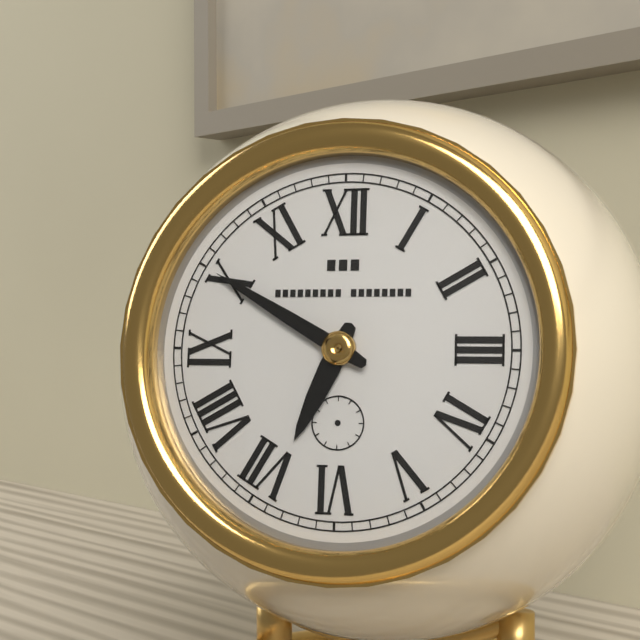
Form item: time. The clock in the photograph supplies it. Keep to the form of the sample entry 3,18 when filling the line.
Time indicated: 6,50
